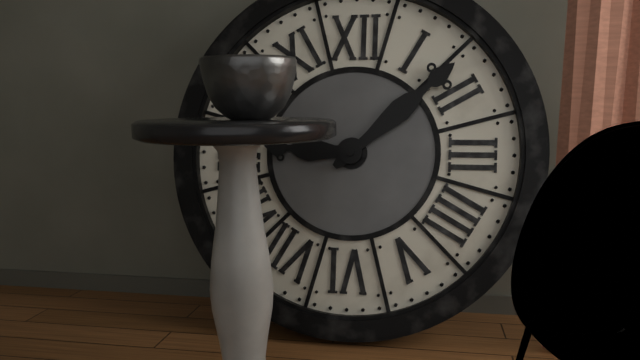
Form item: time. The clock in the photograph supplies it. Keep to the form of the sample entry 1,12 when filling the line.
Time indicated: 9,08
